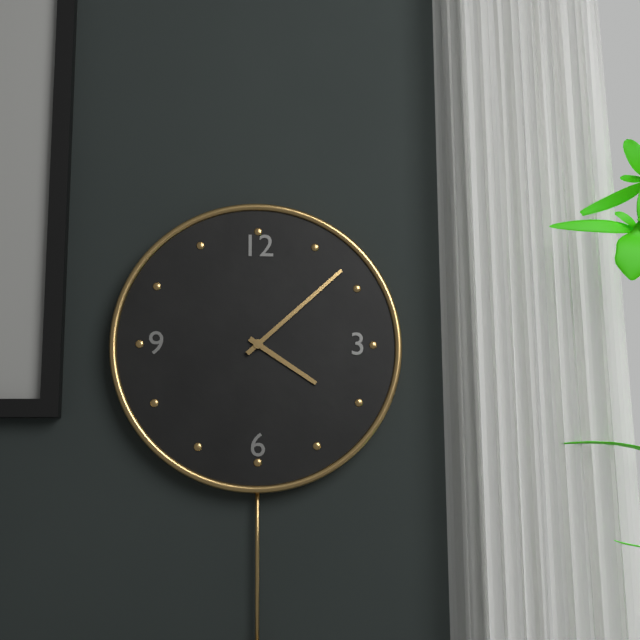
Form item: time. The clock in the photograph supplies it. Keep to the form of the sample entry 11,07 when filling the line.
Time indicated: 4,08
